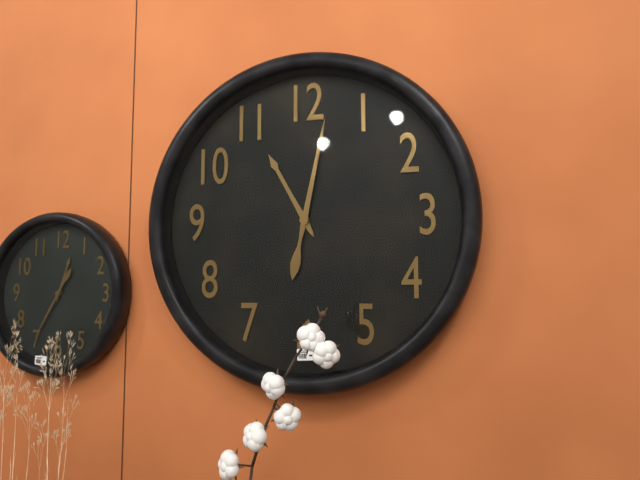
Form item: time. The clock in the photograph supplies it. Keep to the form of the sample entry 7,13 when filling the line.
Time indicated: 11,02
